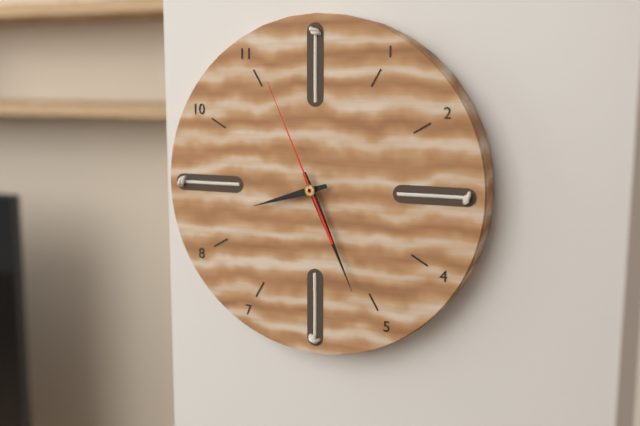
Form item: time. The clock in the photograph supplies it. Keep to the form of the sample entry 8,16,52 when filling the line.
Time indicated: 8,26,56
